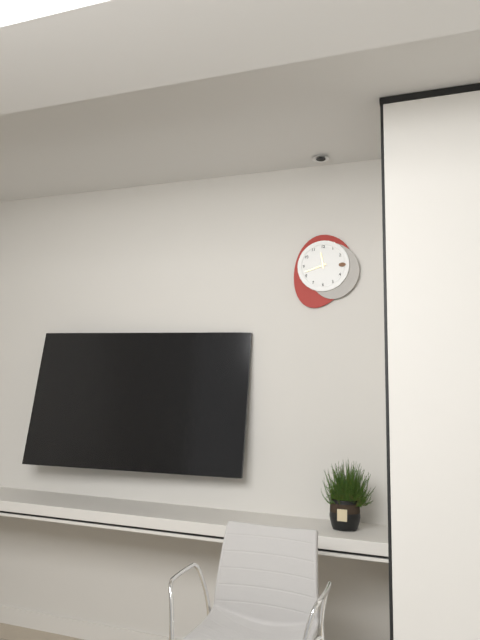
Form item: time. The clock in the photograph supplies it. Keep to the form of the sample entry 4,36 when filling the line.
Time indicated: 11,42
